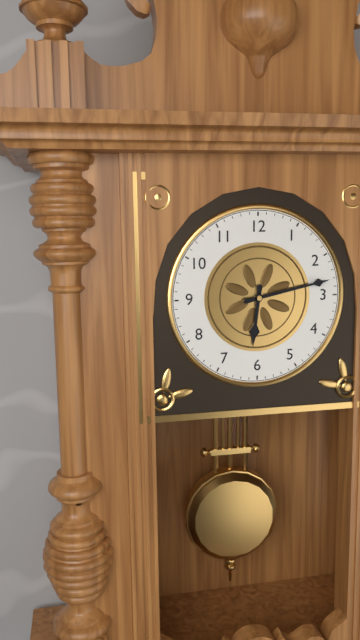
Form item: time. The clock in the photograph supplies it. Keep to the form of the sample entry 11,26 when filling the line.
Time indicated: 6,13
